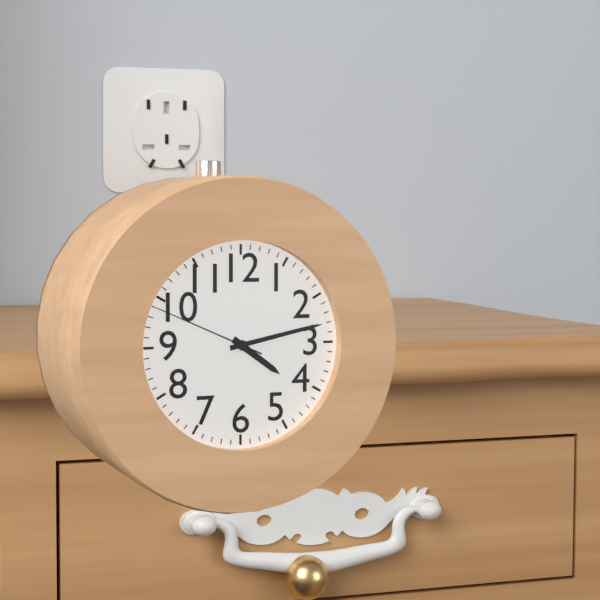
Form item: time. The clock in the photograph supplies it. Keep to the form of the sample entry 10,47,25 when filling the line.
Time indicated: 4,13,49
